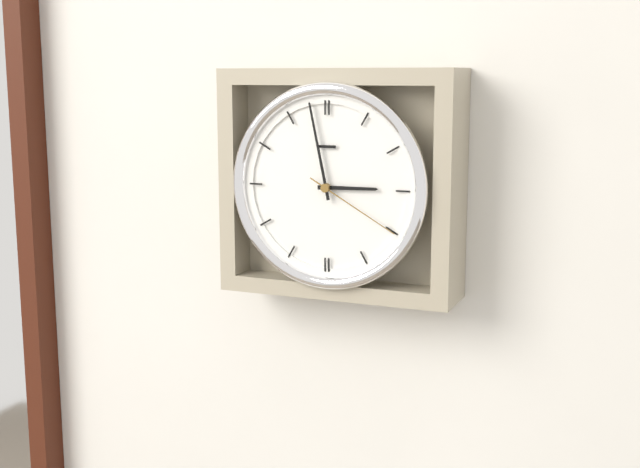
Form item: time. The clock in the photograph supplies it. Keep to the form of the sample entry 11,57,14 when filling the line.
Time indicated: 2,58,20
